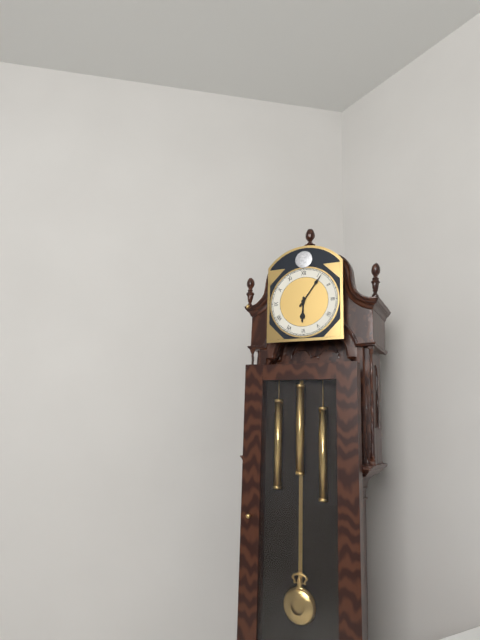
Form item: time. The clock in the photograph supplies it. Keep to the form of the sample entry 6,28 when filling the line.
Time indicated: 6,06
